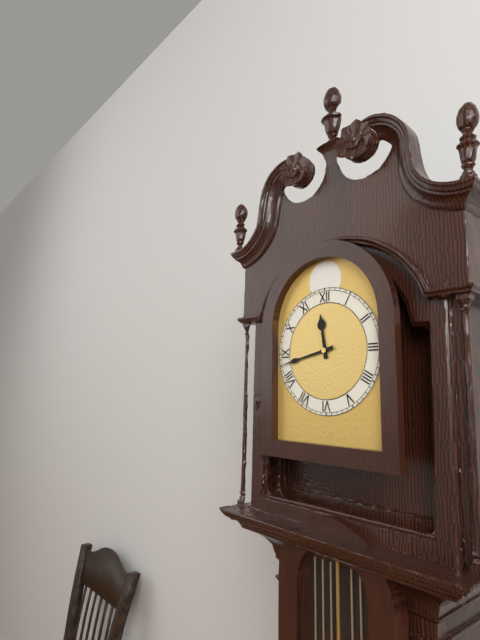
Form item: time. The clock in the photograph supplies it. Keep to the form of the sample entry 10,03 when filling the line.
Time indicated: 11,43
